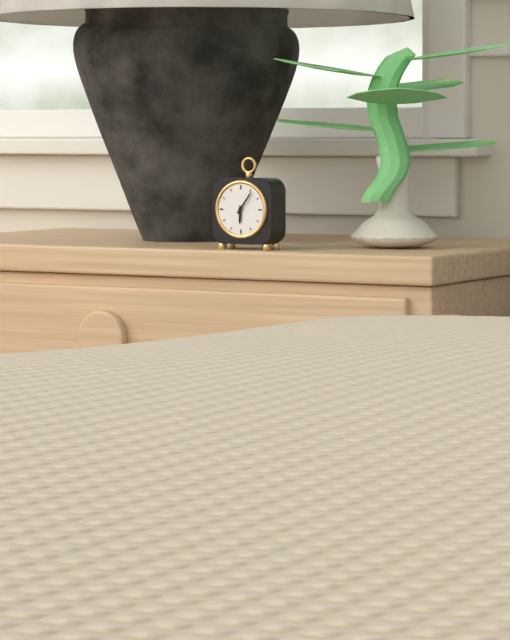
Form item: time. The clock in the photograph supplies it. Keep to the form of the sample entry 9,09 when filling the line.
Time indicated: 6,06
